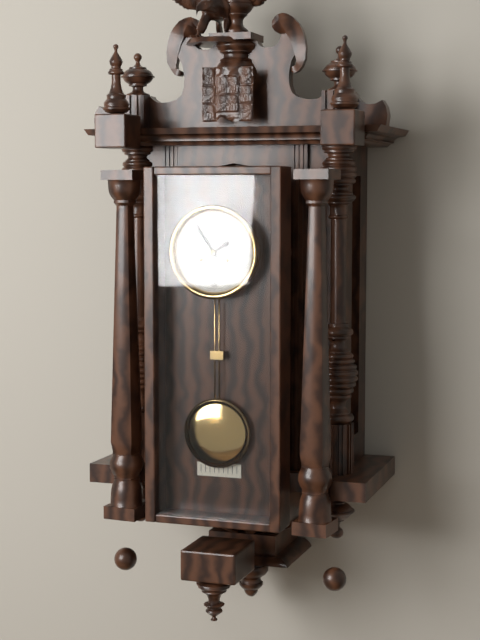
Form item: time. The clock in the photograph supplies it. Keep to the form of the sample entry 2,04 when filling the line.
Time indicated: 1,54
